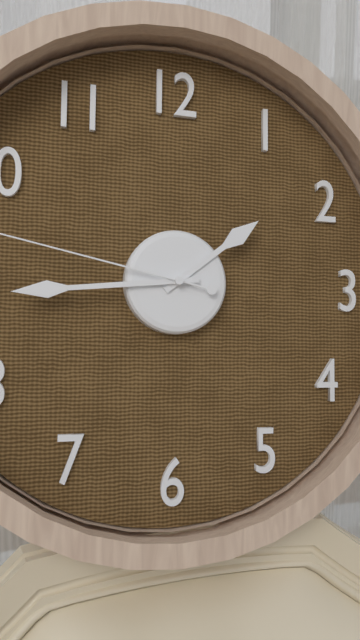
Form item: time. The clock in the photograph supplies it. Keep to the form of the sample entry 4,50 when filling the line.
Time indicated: 1,44
